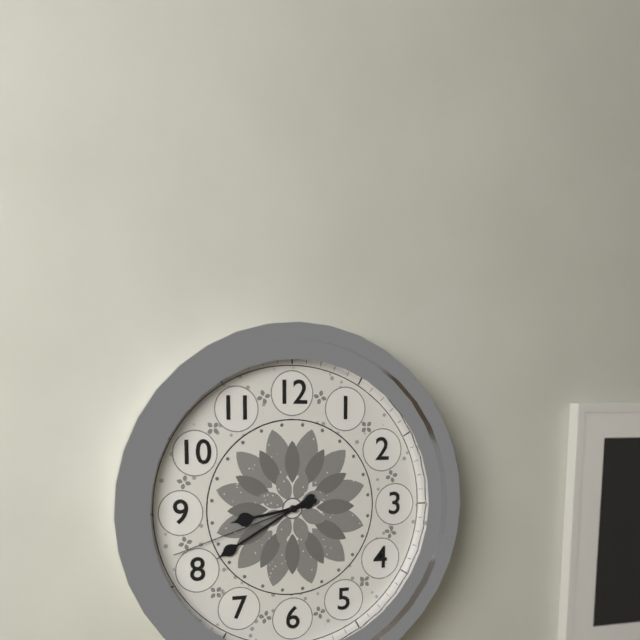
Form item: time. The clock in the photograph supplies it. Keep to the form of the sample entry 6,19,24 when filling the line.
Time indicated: 8,40,42
